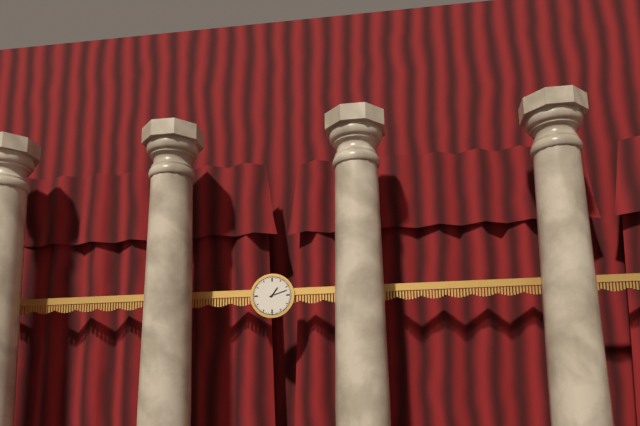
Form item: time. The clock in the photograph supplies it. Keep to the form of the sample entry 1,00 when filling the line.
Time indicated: 1,12
